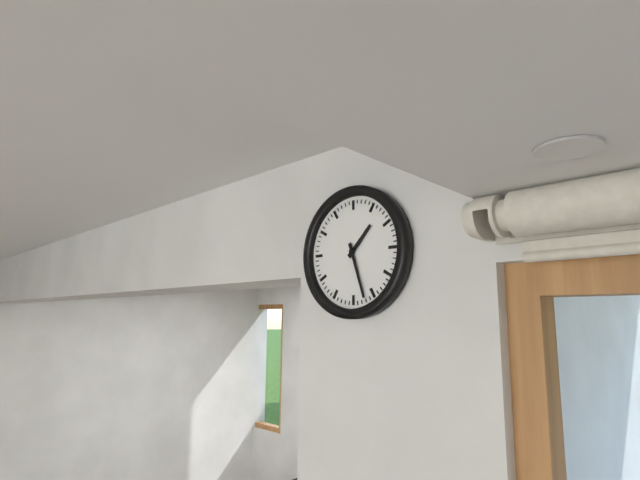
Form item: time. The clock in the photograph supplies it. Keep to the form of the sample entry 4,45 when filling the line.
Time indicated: 1,27
